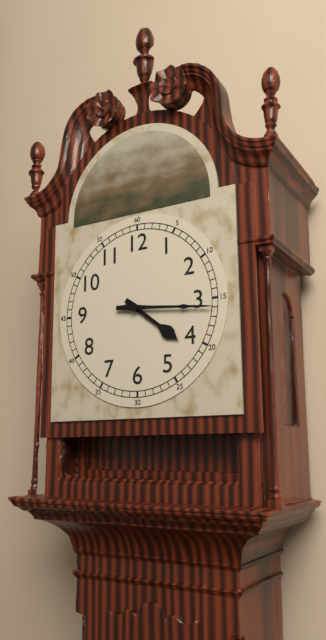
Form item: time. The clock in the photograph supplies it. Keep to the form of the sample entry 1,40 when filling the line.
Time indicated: 4,16
